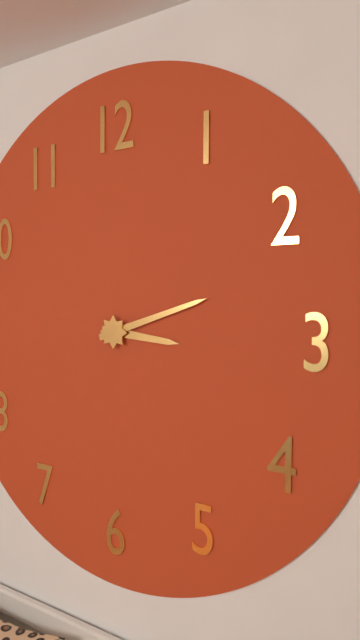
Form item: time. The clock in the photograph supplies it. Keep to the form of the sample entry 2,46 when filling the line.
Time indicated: 3,12
